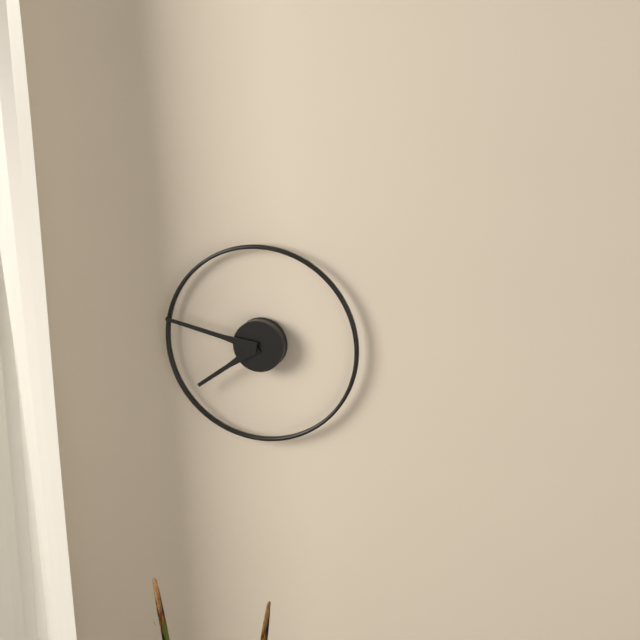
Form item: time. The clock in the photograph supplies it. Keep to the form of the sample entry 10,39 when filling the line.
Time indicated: 7,47
